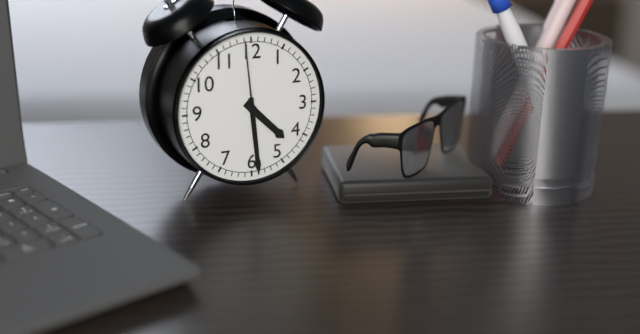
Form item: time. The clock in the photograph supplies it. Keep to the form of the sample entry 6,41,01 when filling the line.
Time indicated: 4,29,59
